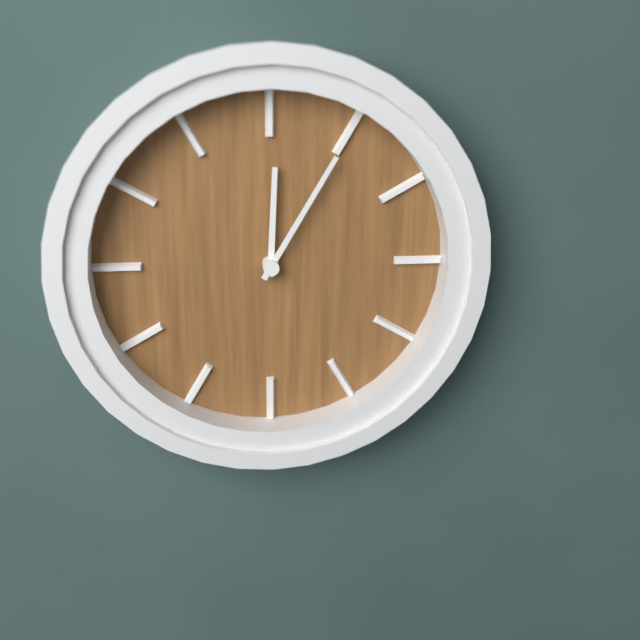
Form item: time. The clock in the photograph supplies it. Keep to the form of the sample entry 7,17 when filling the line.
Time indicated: 12,05
